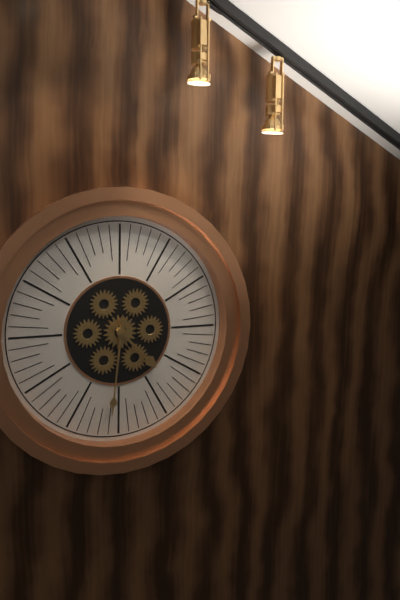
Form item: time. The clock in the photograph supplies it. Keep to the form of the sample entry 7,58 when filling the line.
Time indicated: 4,31
